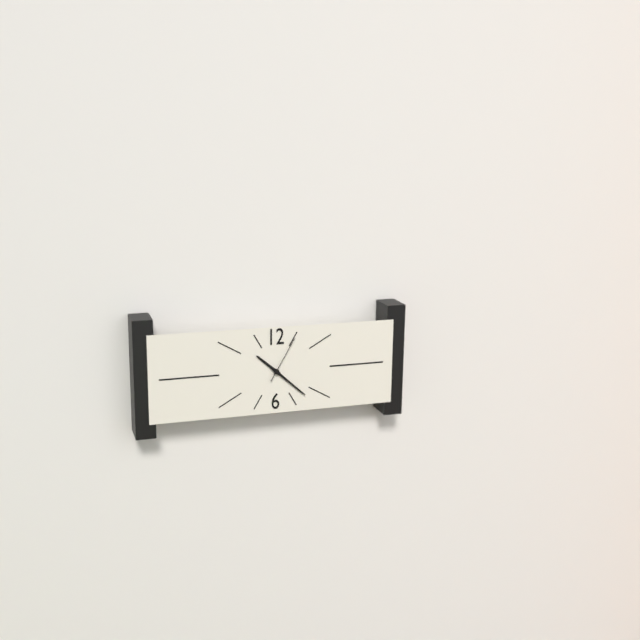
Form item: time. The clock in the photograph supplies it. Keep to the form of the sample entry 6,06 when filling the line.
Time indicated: 10,22
